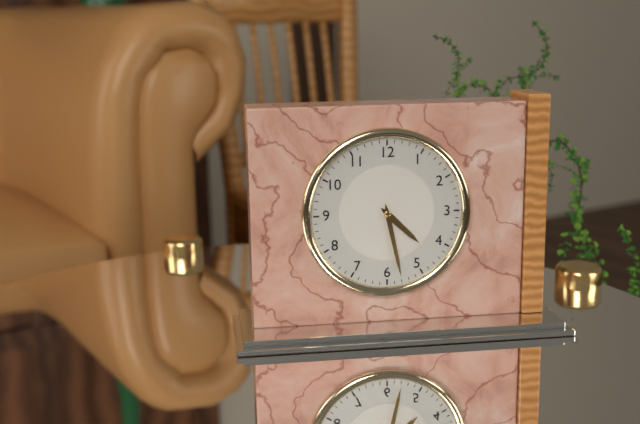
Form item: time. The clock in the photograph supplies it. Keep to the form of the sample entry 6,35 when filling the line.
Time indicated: 4,28
